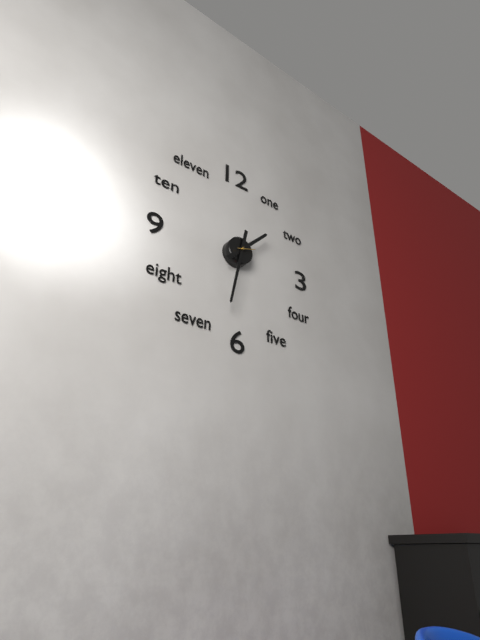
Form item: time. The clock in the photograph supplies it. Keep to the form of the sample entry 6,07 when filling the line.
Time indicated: 1,32
